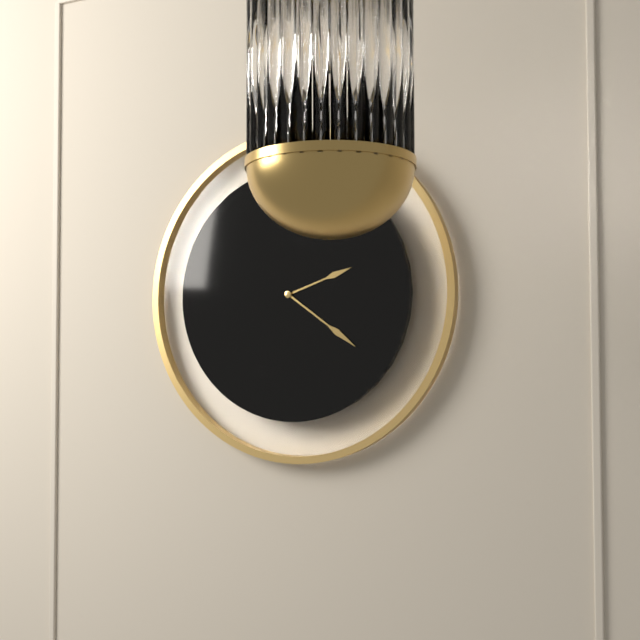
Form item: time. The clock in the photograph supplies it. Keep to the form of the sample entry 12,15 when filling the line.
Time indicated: 2,21
